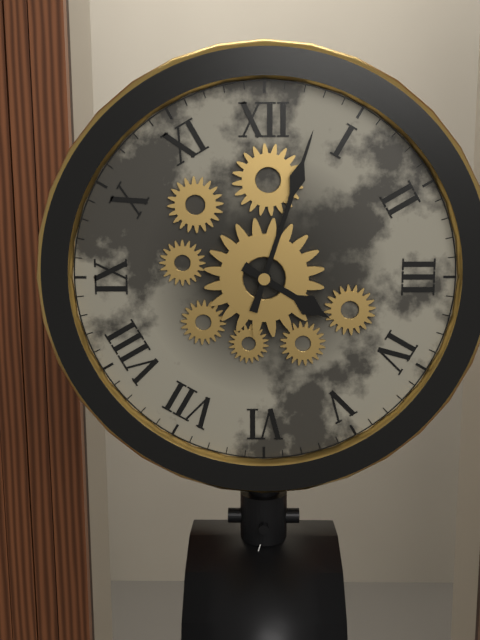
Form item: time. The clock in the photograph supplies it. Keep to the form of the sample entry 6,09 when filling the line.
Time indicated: 4,03
